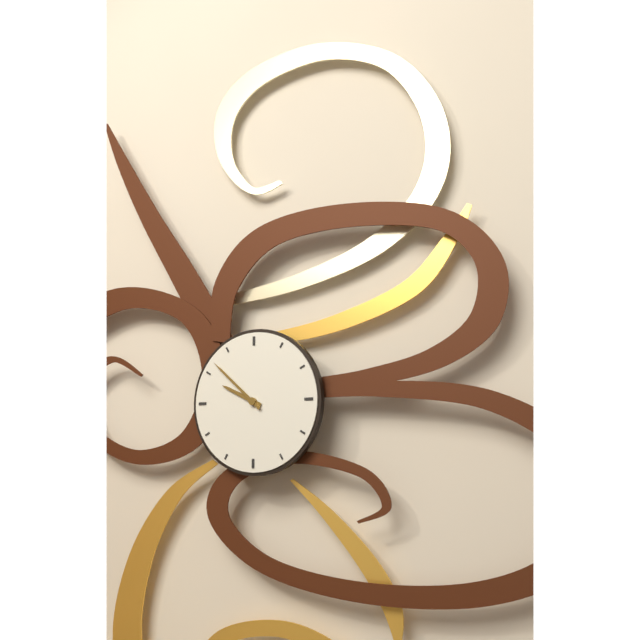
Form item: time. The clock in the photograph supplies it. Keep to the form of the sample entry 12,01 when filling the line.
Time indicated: 9,52
